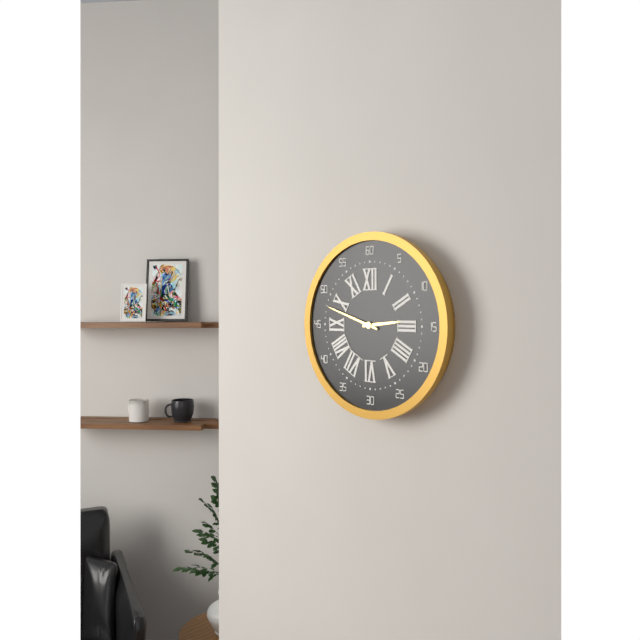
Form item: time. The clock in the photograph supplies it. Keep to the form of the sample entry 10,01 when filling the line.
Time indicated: 2,48
